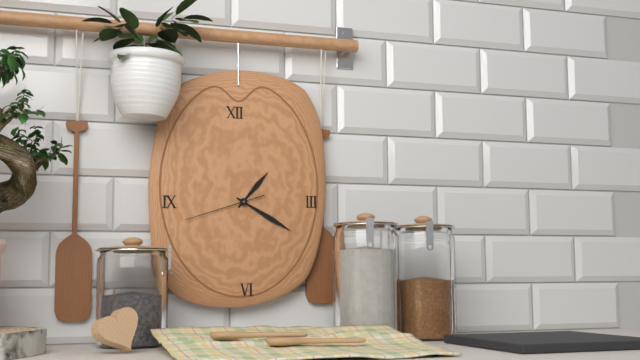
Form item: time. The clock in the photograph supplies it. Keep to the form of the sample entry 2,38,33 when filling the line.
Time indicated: 1,20,42
